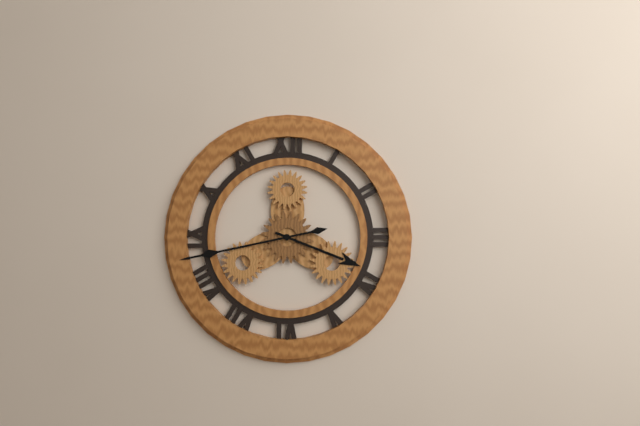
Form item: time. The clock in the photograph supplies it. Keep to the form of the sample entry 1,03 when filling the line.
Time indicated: 3,43
